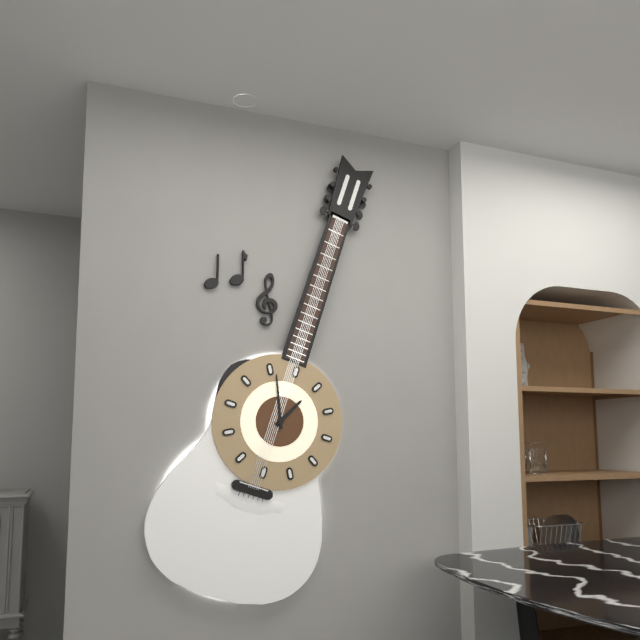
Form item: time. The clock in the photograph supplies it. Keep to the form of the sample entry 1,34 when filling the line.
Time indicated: 12,56
